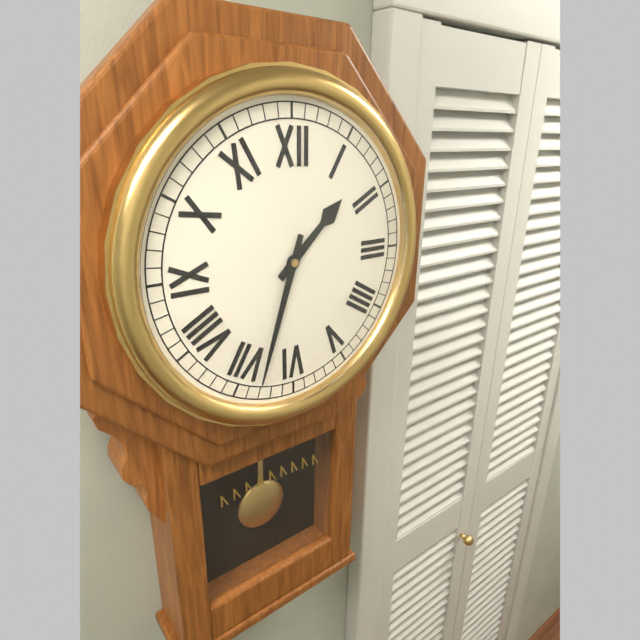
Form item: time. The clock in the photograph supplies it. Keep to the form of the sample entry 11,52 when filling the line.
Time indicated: 1,33
